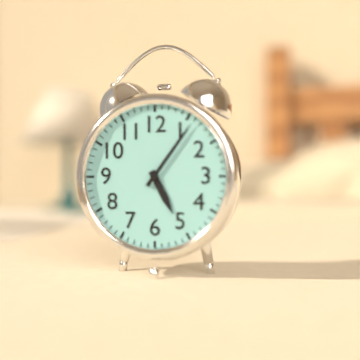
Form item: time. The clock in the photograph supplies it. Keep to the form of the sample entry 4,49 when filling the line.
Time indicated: 5,06
